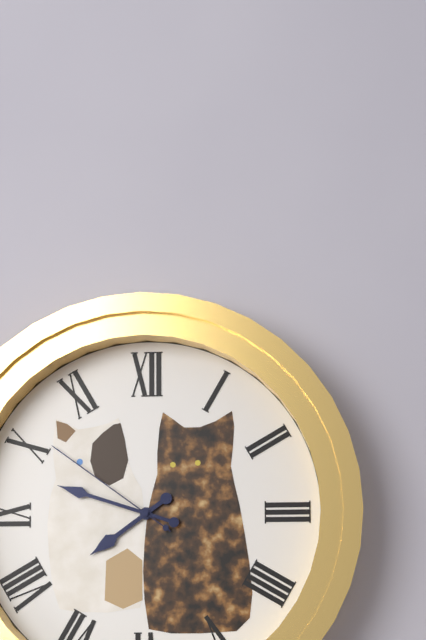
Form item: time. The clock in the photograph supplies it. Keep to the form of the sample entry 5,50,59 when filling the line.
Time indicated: 7,48,51
